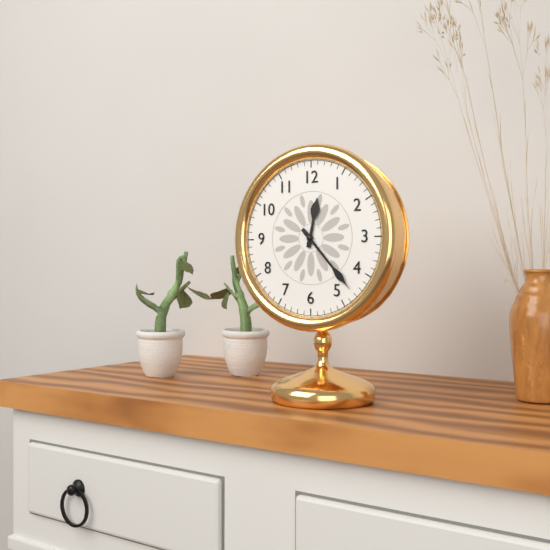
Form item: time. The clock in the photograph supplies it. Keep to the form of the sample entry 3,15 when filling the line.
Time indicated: 12,23
